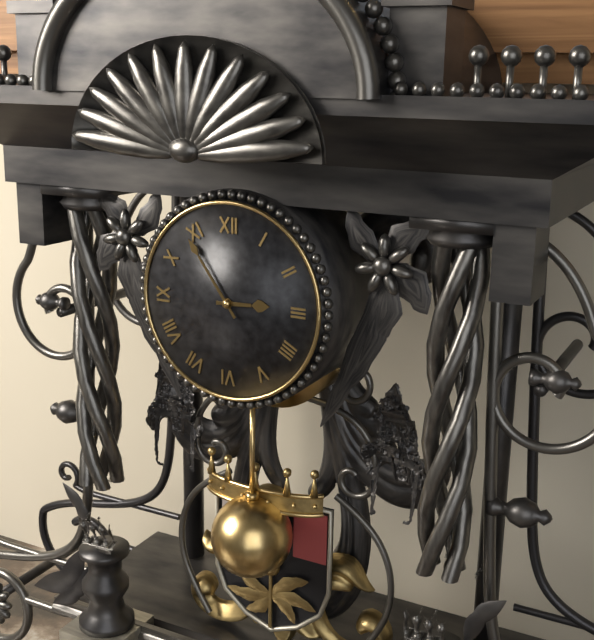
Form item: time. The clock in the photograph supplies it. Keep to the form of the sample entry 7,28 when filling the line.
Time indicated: 2,54
